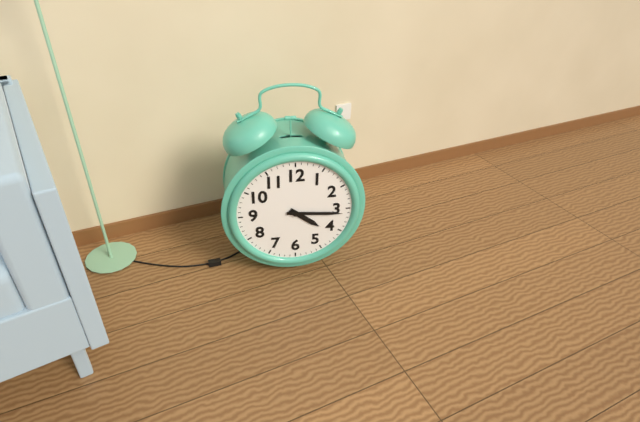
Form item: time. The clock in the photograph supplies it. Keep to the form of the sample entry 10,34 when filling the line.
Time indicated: 4,16
